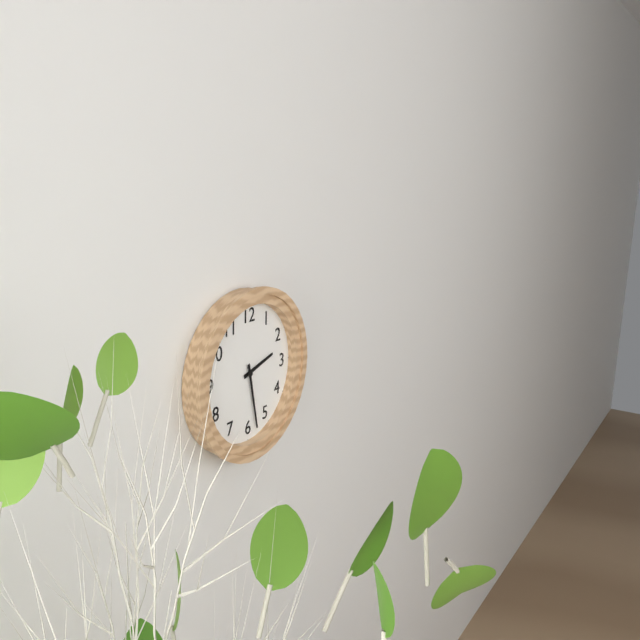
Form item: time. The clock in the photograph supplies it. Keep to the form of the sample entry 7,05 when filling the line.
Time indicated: 2,28
